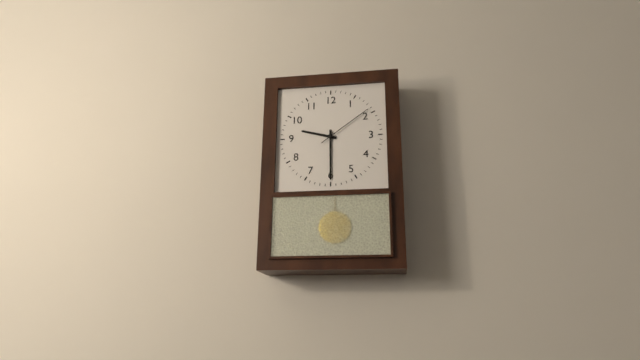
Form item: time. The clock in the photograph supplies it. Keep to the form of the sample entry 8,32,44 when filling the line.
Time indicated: 9,30,09
